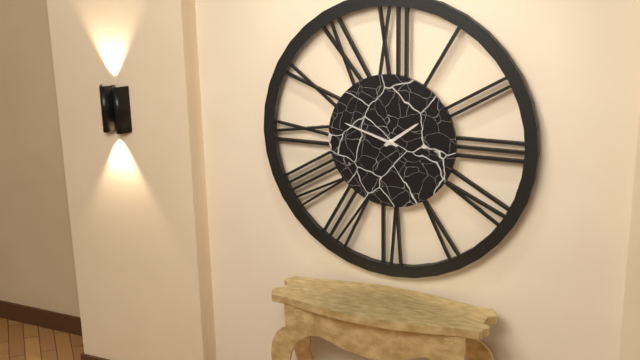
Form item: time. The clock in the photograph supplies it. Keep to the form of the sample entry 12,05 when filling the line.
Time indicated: 1,48
